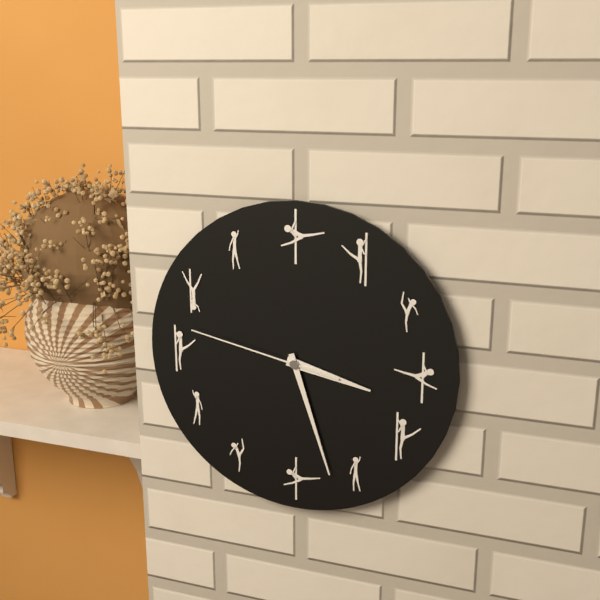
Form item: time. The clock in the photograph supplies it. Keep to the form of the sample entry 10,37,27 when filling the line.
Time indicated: 3,27,47
